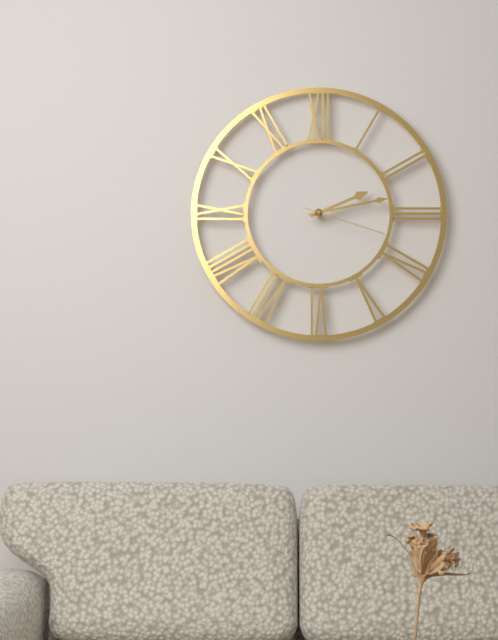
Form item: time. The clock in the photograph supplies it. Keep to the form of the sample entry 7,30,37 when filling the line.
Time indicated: 2,13,18
